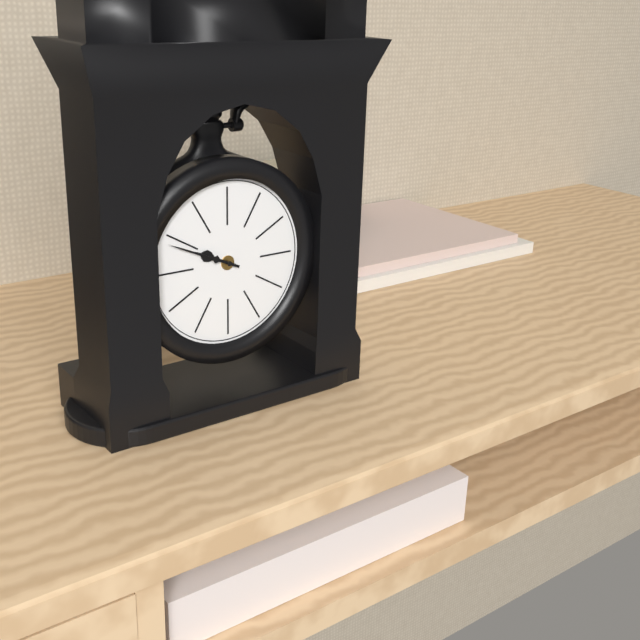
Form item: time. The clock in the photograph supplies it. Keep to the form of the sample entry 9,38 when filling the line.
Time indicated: 9,49
